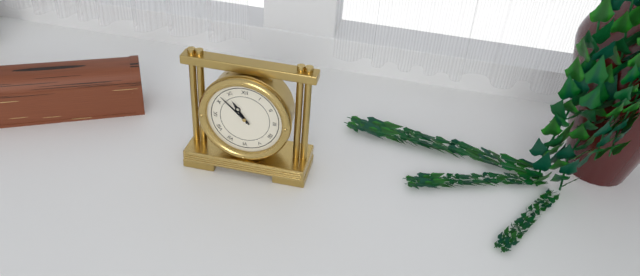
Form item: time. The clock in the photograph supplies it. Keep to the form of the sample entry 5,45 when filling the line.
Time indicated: 10,52
